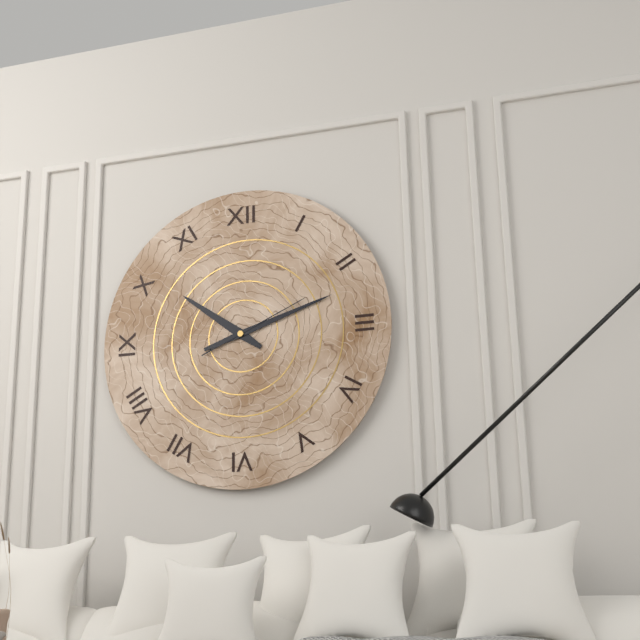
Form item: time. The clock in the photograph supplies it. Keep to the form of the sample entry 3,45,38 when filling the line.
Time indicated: 10,12,11
